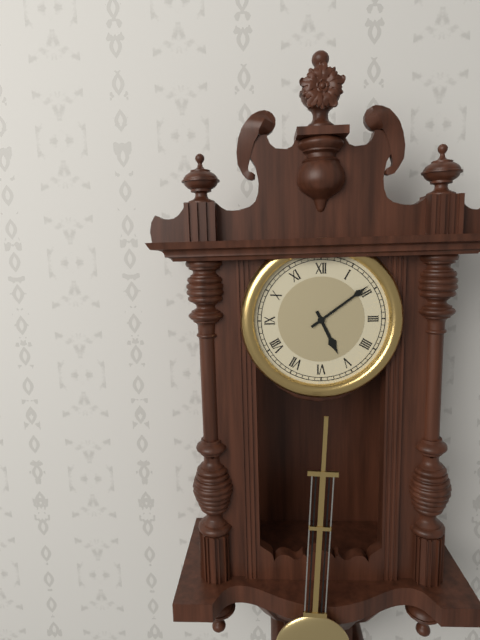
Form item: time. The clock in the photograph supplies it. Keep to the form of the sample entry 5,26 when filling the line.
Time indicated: 5,09
